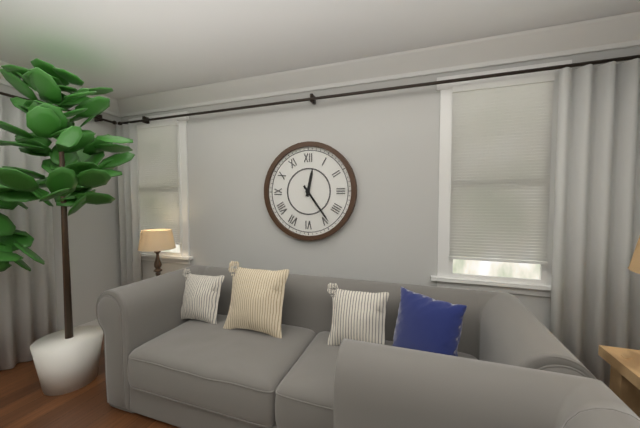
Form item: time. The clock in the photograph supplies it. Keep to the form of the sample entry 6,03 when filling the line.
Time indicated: 12,24
